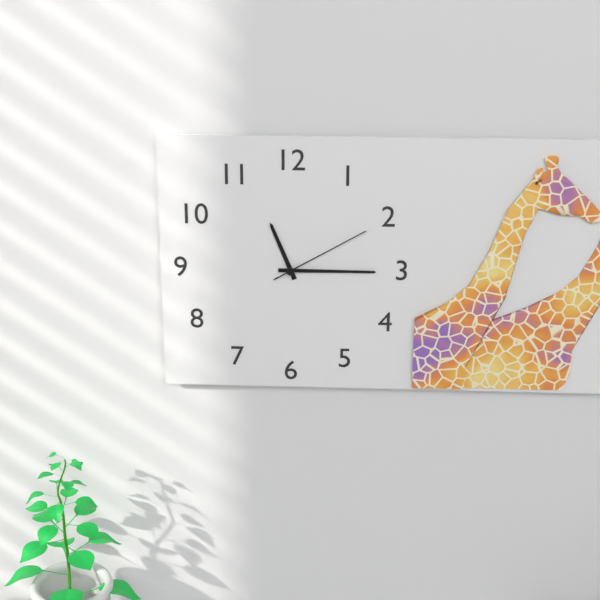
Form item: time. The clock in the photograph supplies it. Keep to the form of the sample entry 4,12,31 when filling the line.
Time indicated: 11,15,10
